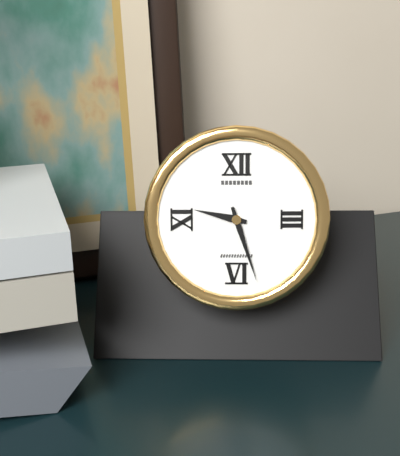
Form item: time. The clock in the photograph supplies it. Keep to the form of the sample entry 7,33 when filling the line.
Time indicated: 9,27
